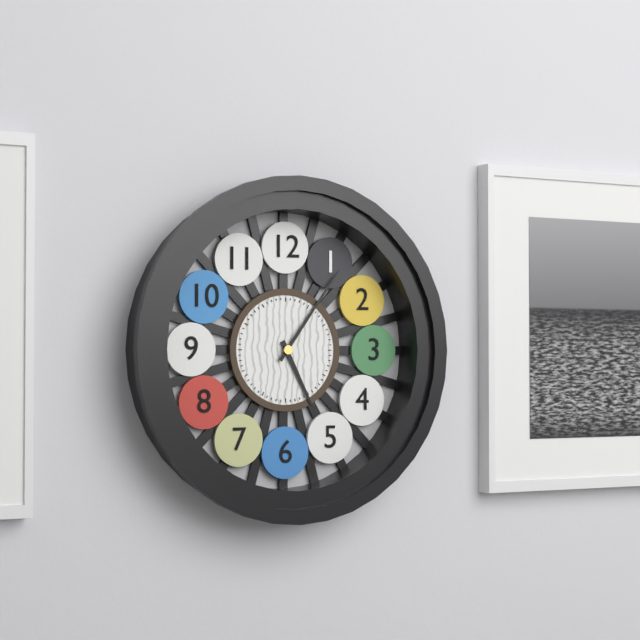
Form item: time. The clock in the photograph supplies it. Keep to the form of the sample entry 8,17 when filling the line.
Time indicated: 5,06
